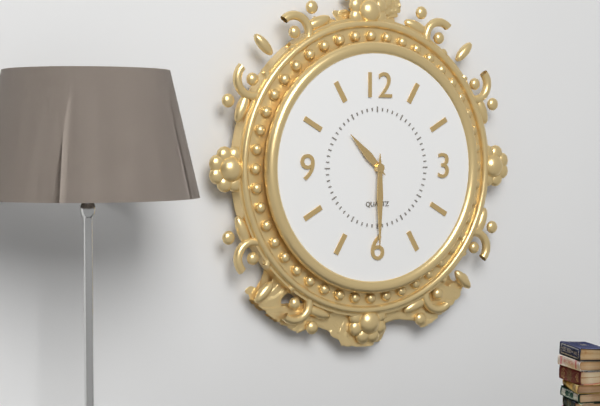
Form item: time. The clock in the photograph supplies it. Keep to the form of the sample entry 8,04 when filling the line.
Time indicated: 10,30
